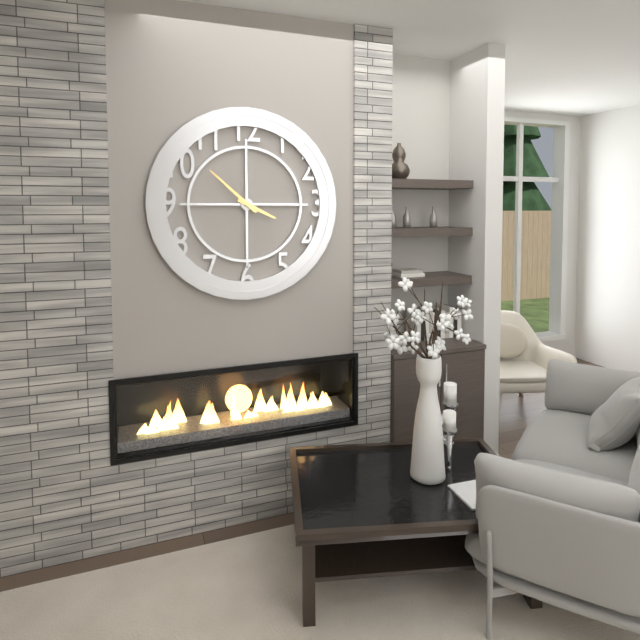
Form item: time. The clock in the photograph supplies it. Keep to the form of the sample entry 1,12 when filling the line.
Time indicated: 3,52
